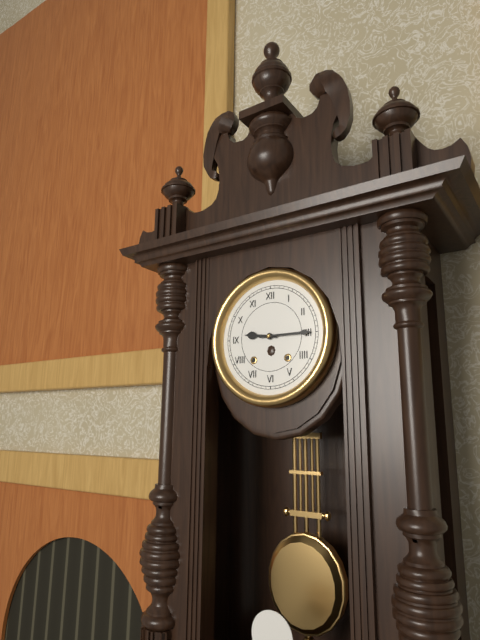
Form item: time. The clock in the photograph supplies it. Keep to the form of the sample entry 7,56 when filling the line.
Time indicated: 9,15
